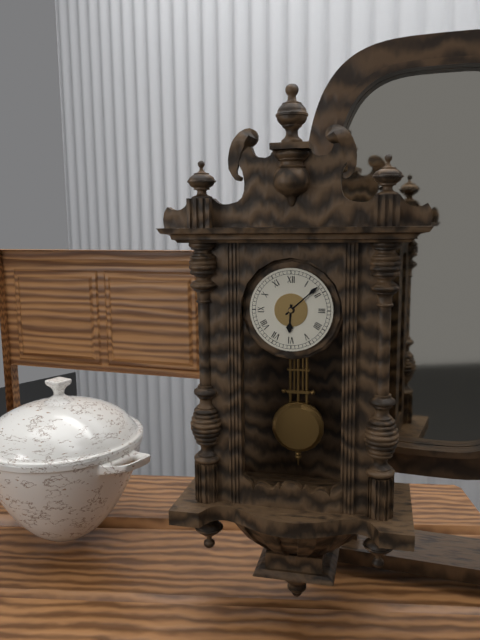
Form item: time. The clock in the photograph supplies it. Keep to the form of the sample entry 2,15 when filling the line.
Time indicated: 6,08
